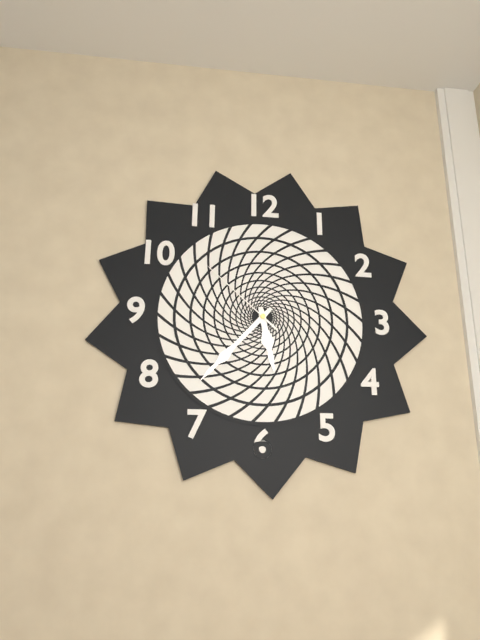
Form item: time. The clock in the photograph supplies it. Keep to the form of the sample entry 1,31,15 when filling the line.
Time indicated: 5,37,52
